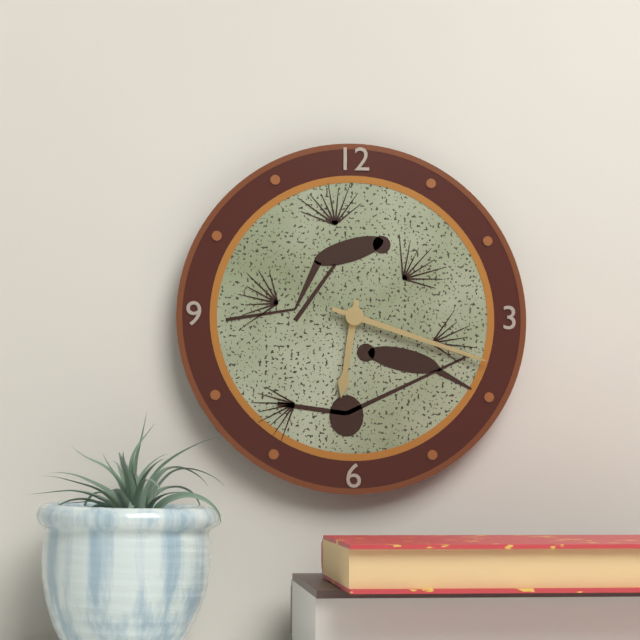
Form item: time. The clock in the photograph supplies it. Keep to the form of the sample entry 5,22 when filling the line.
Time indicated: 6,18
